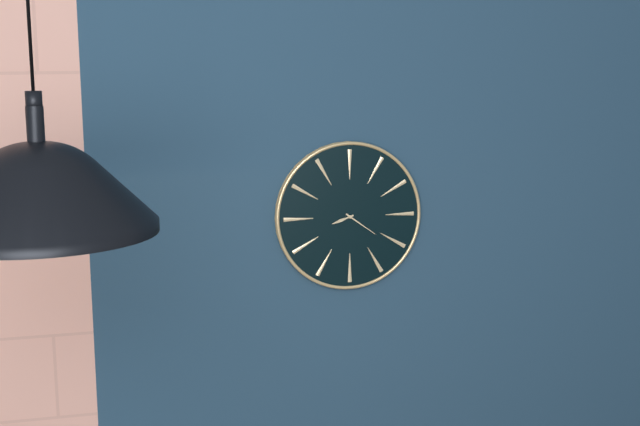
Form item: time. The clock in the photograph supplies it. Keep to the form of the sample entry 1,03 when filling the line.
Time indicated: 8,21
